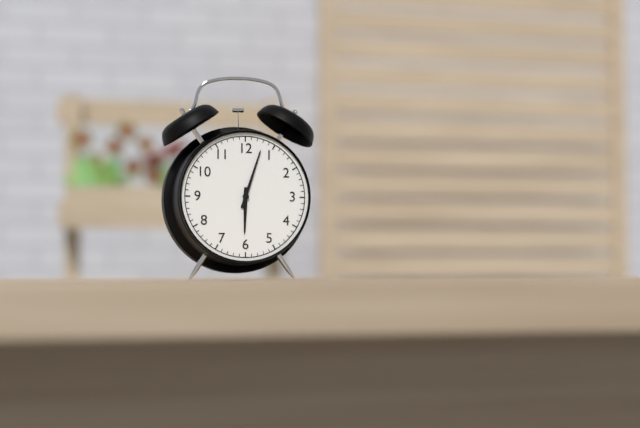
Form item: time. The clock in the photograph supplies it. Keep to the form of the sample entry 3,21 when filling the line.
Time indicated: 6,03
